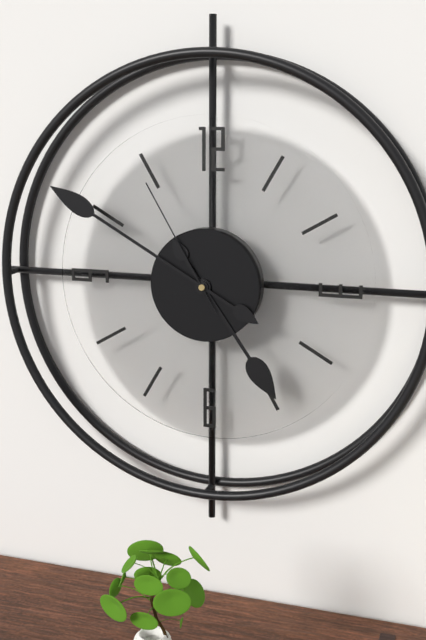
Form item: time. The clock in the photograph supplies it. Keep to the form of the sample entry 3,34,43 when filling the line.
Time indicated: 4,50,55
